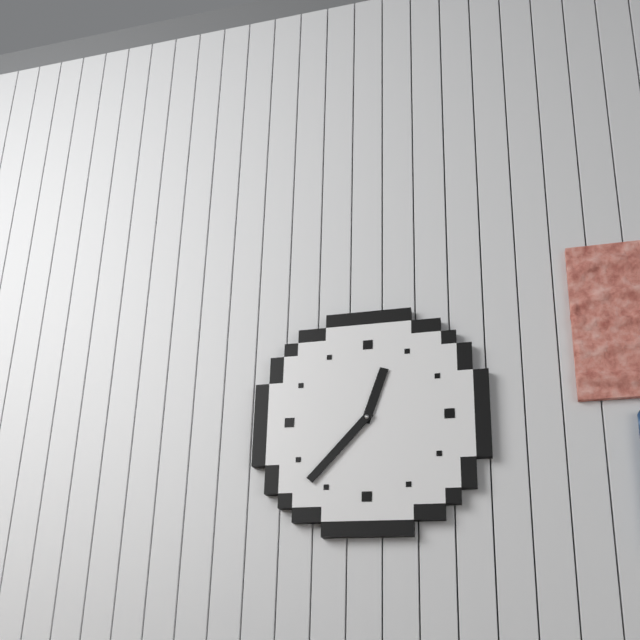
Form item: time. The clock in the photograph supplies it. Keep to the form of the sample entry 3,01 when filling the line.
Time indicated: 12,37
